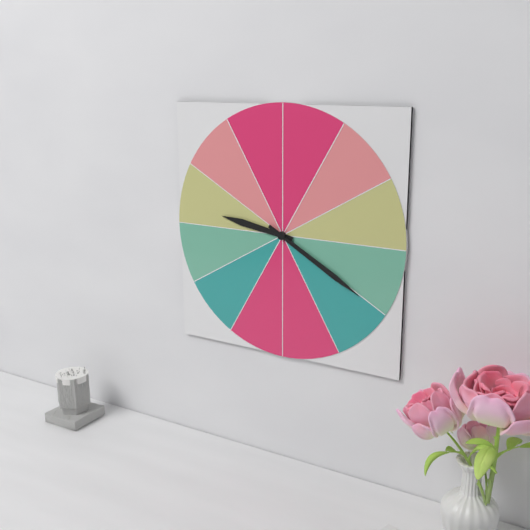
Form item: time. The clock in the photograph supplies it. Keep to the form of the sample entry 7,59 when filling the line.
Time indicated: 9,20
